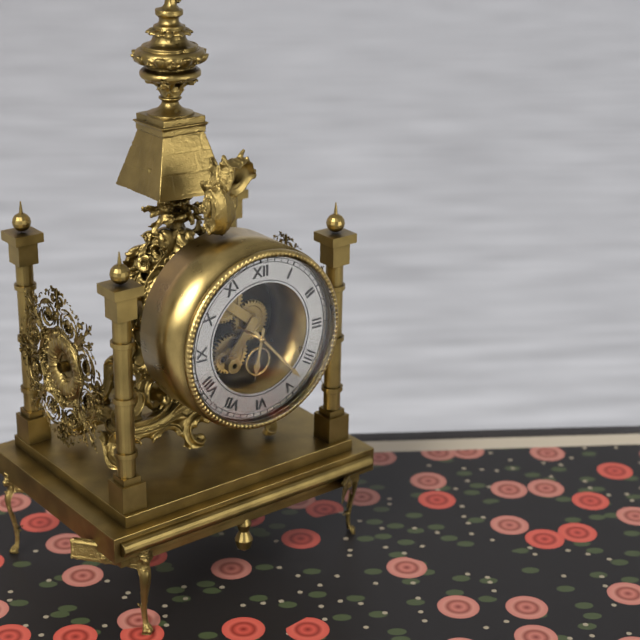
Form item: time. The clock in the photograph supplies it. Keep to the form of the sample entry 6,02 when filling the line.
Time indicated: 6,23
